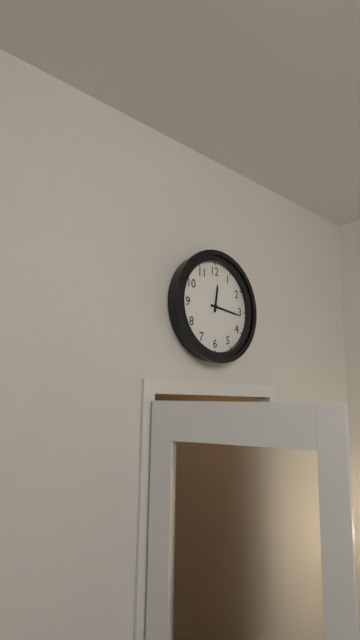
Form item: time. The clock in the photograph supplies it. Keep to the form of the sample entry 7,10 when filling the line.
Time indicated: 12,16
